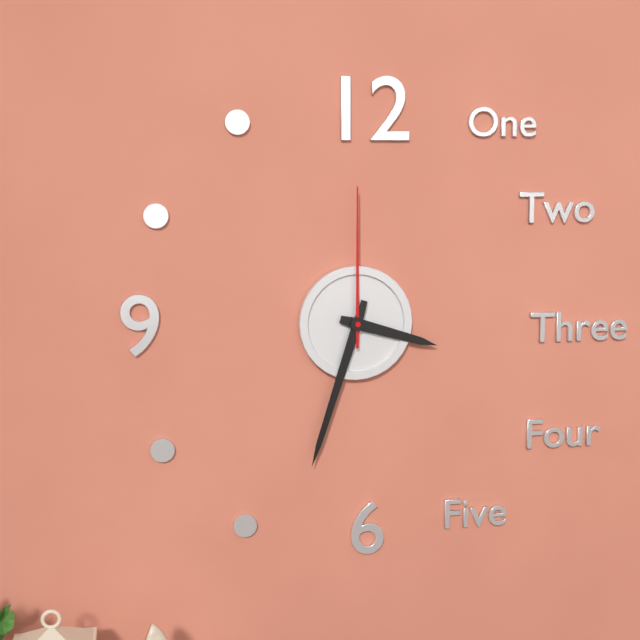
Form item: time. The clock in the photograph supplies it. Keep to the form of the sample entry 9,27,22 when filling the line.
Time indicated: 3,33,00
